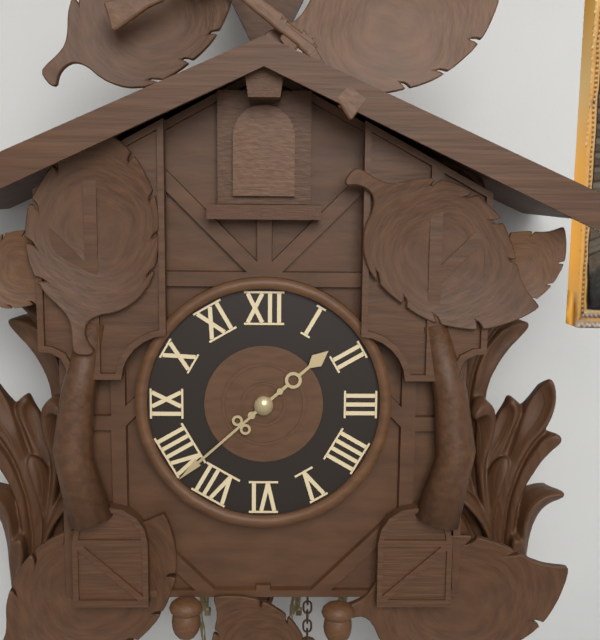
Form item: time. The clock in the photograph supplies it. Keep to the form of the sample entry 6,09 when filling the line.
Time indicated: 1,38
